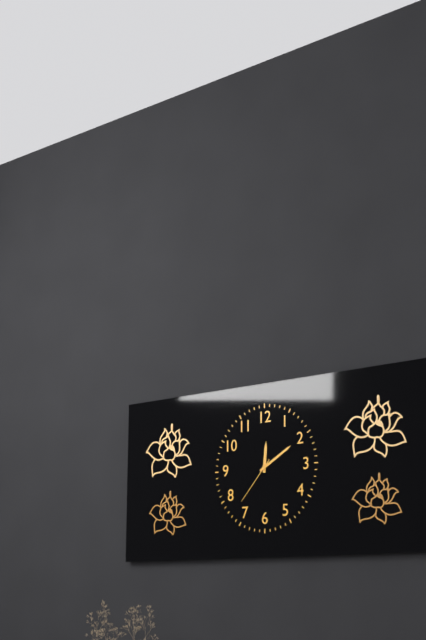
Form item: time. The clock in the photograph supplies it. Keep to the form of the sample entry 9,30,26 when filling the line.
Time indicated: 12,10,37
